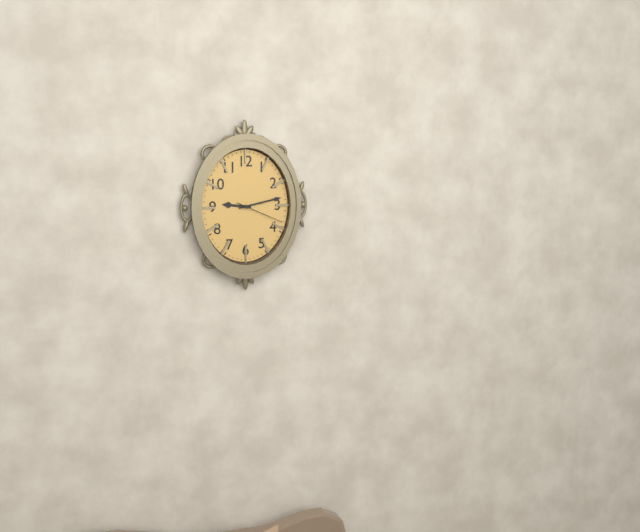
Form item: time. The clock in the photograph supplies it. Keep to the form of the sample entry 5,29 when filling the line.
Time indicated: 9,13
